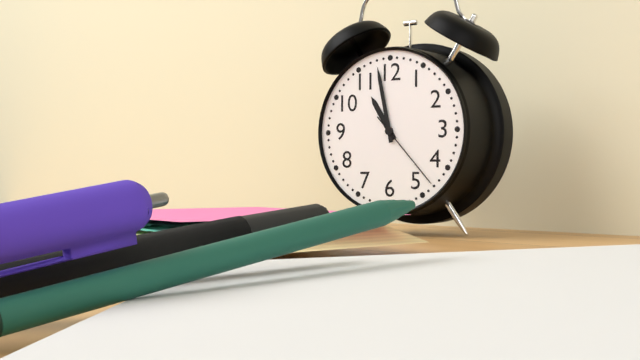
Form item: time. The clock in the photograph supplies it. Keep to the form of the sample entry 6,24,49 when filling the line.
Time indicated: 10,58,23
